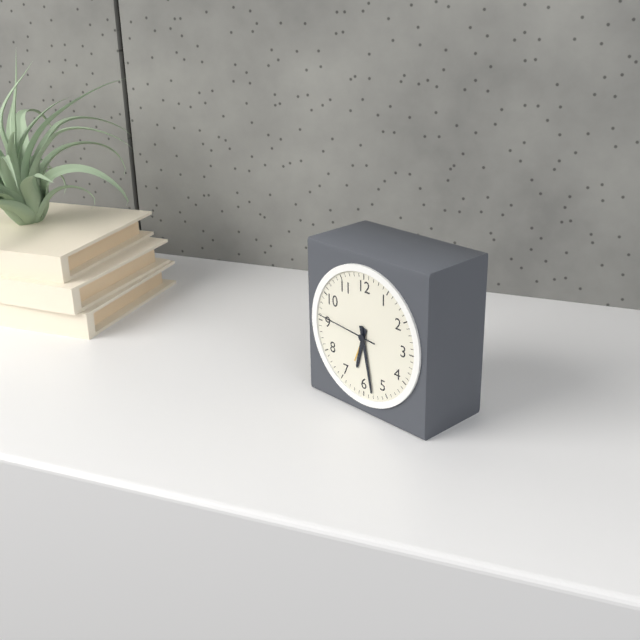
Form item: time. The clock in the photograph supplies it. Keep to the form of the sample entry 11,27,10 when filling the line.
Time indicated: 6,28,46
